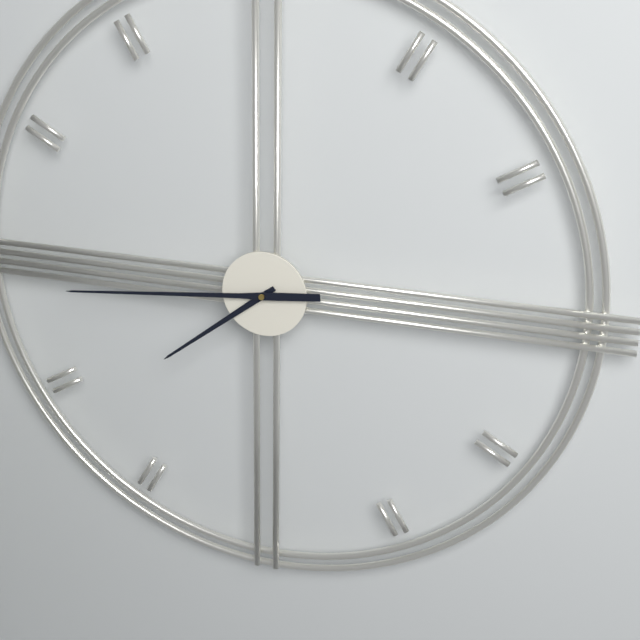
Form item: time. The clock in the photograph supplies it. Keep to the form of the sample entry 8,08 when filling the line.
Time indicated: 7,44
